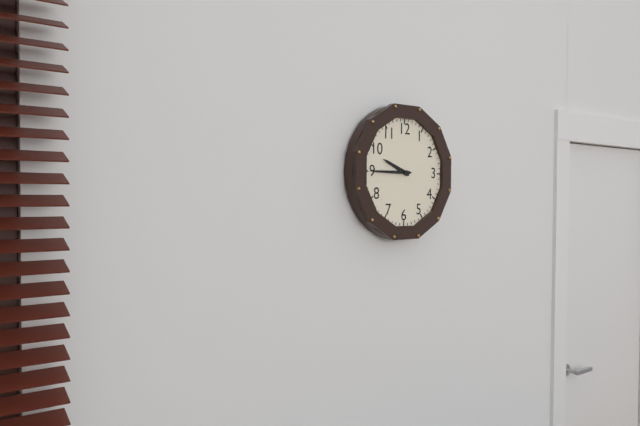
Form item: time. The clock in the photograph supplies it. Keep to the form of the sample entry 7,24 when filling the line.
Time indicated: 9,45
